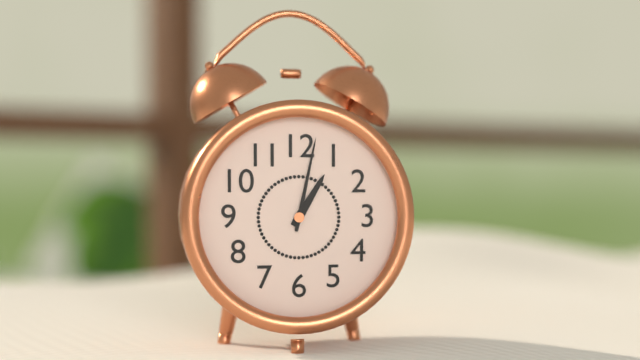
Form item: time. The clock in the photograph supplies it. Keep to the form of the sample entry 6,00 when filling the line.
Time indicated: 1,02
